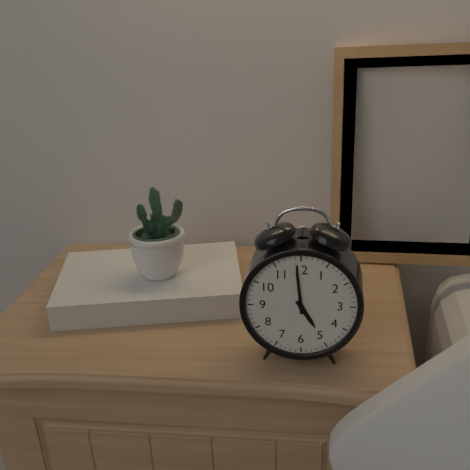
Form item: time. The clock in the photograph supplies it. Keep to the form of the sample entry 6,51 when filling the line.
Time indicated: 4,59
